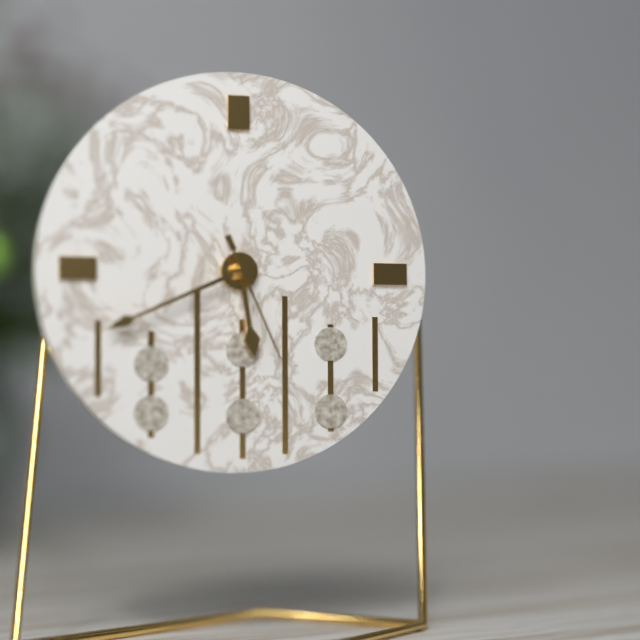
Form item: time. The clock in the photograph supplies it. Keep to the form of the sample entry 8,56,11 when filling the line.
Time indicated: 5,41,26
